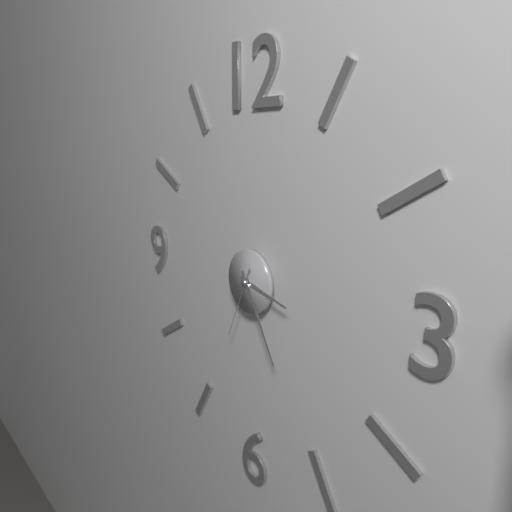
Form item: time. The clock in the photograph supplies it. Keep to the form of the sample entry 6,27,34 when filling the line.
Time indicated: 3,25,34
